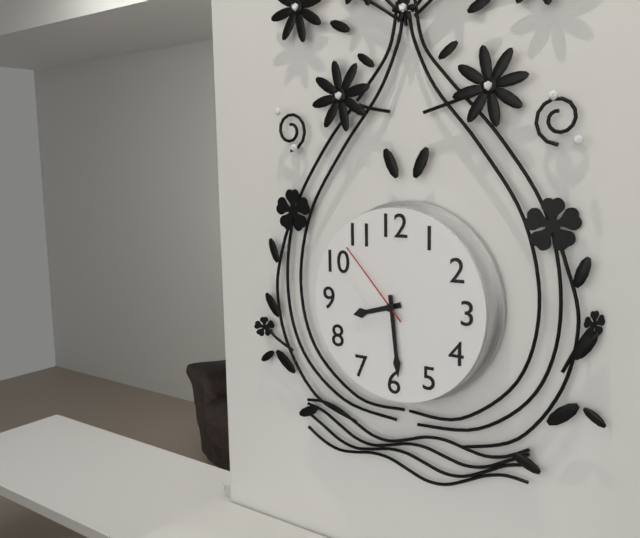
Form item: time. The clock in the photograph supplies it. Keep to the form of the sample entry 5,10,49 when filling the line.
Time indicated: 8,29,53
